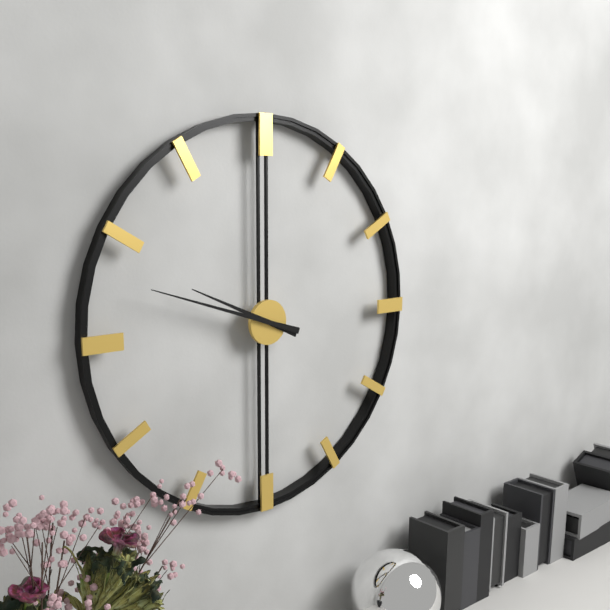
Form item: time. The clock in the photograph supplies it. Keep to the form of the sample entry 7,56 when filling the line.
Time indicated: 9,48
